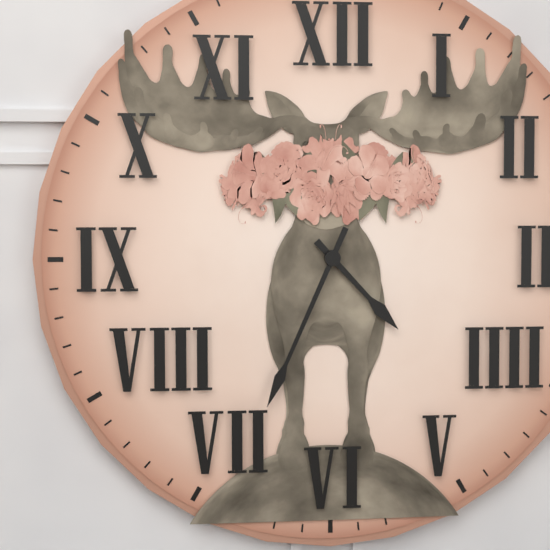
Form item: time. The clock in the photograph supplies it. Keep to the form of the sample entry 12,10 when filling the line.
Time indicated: 4,34
